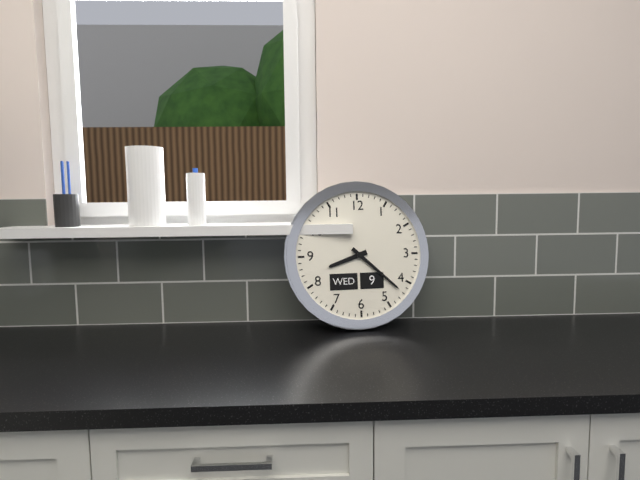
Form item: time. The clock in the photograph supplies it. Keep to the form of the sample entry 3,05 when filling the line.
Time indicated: 8,22
